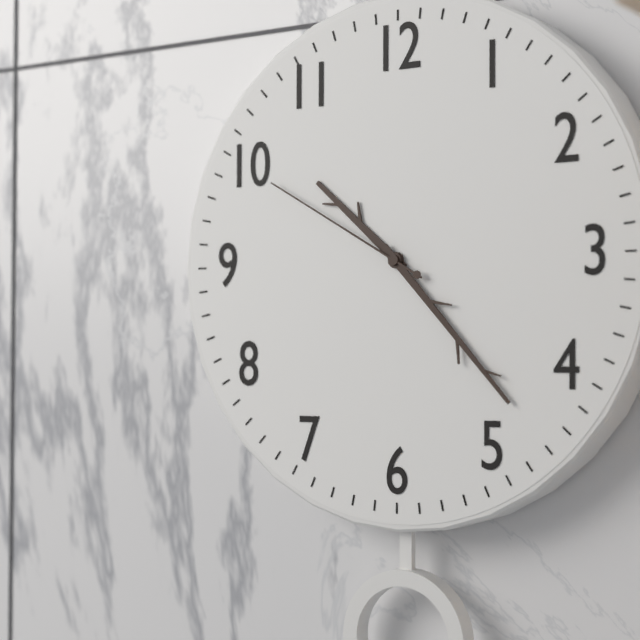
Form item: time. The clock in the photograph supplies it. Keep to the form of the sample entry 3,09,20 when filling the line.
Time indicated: 10,23,50
